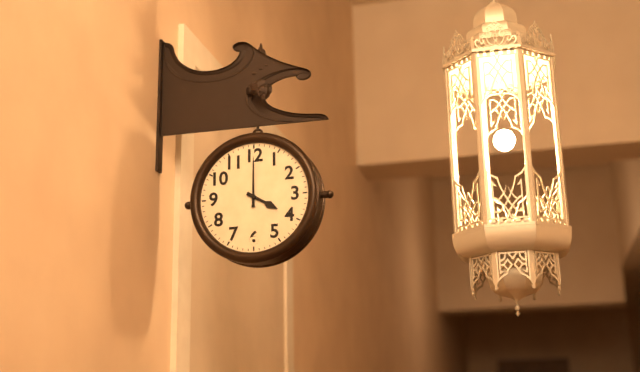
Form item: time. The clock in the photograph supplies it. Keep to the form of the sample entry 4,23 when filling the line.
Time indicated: 4,00
